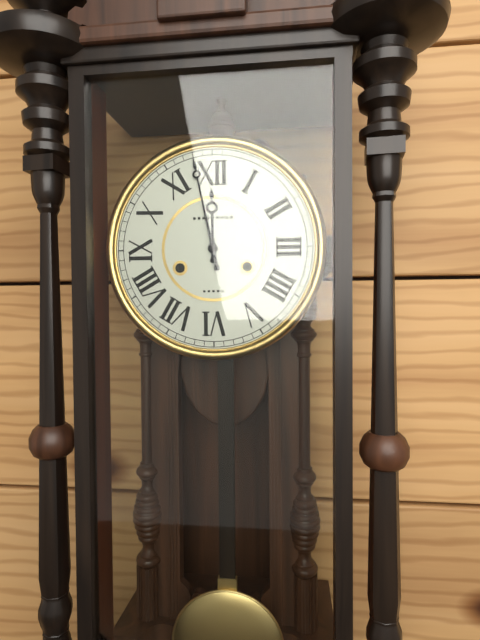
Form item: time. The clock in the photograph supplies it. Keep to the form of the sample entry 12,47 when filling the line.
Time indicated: 11,58
